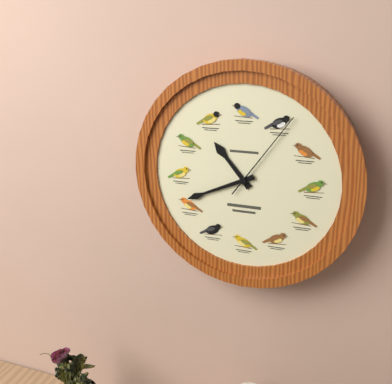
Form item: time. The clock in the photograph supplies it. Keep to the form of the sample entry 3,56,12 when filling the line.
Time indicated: 10,41,06
